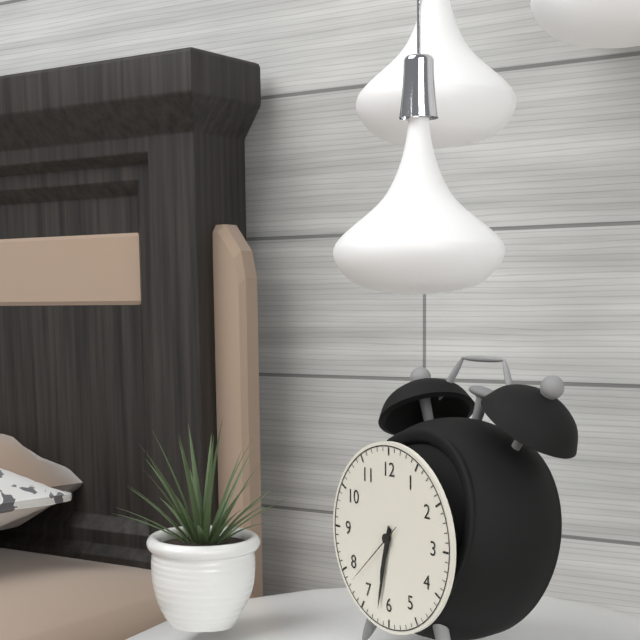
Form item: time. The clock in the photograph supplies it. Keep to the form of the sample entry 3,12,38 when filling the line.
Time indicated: 6,32,38
